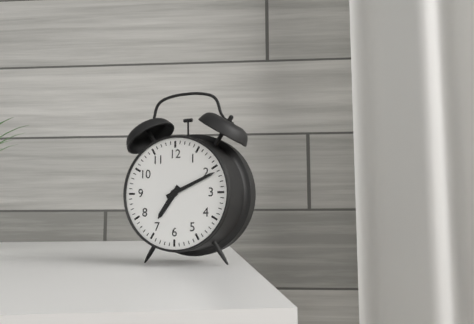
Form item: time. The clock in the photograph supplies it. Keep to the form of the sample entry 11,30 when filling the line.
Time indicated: 7,11
